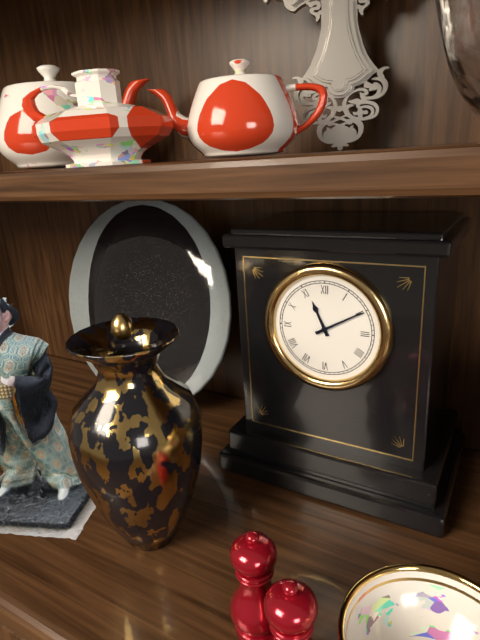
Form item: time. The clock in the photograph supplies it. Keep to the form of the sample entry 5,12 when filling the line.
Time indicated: 11,10
